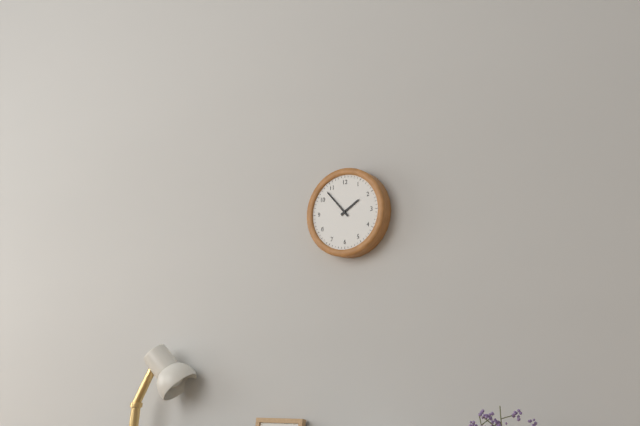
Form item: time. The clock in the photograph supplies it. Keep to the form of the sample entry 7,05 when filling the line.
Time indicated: 1,53
